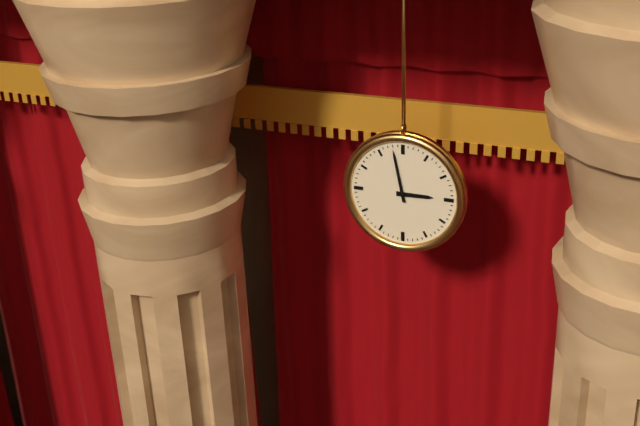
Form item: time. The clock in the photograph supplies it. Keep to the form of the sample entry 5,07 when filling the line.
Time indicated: 2,58
